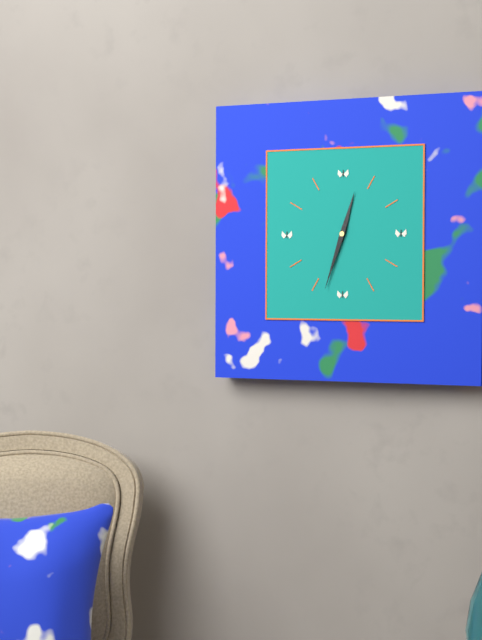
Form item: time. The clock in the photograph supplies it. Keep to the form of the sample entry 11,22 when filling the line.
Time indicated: 12,33
